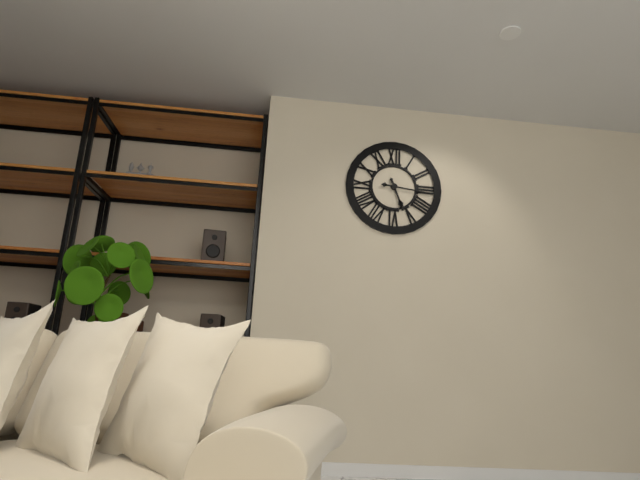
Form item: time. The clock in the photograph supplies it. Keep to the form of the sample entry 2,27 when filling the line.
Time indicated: 5,16
